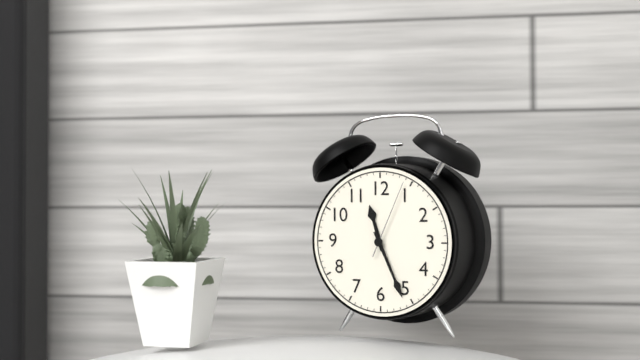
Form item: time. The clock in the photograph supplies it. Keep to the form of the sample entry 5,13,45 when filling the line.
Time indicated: 11,26,04
